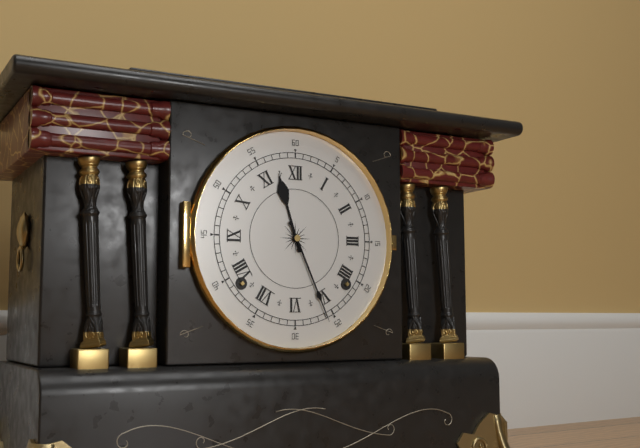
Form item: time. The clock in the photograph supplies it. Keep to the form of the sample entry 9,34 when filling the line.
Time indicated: 11,26
